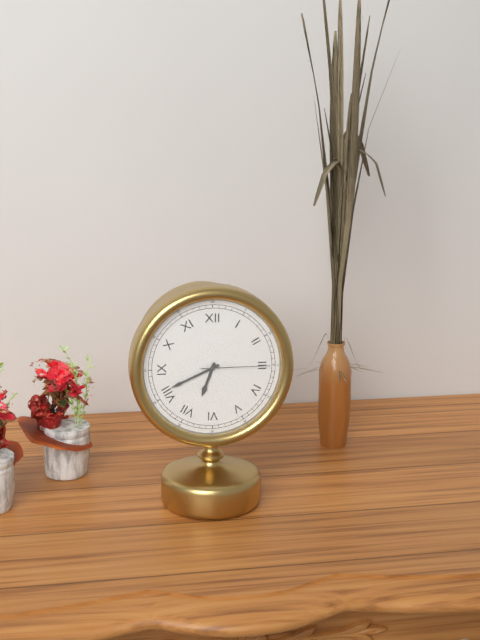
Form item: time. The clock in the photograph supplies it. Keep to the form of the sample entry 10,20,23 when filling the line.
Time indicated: 6,41,15
